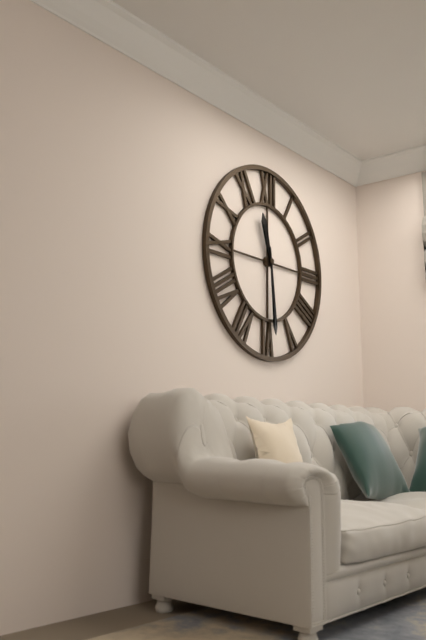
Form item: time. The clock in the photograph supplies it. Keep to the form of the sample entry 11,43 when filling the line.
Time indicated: 11,29
